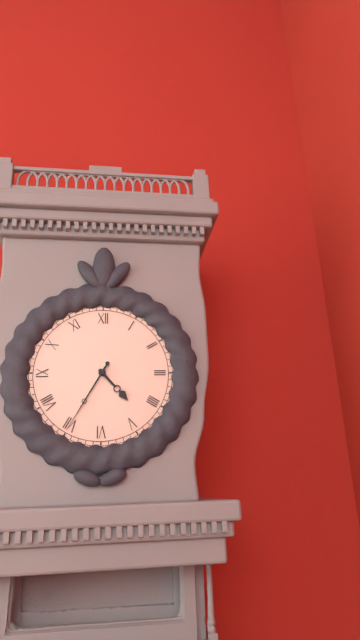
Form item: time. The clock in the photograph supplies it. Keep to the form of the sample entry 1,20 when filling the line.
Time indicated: 4,35
